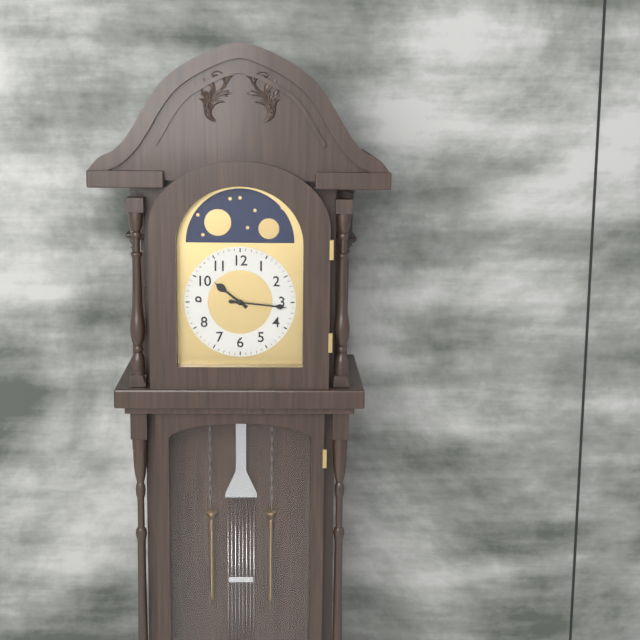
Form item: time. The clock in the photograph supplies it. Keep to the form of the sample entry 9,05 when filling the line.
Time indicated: 10,16
